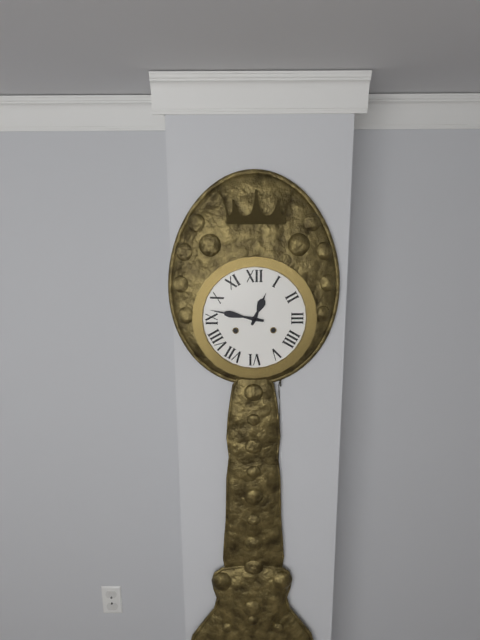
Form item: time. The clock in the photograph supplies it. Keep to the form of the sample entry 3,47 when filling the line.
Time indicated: 12,47
